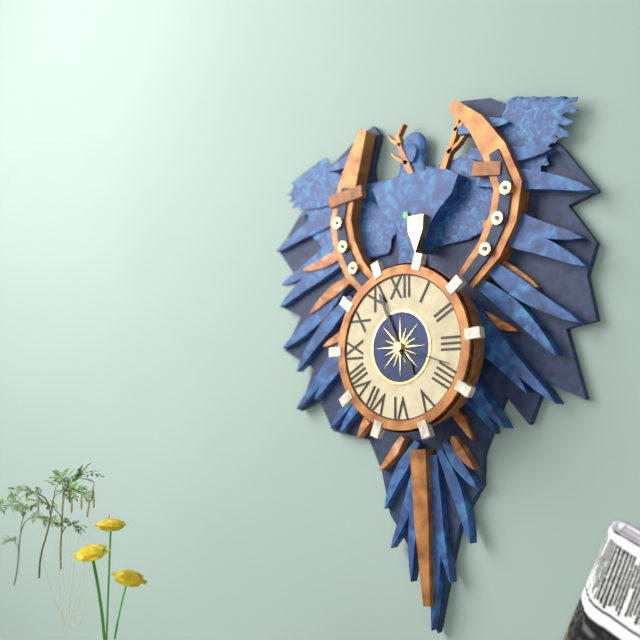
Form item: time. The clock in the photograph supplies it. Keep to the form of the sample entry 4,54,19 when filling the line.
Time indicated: 4,56,18
